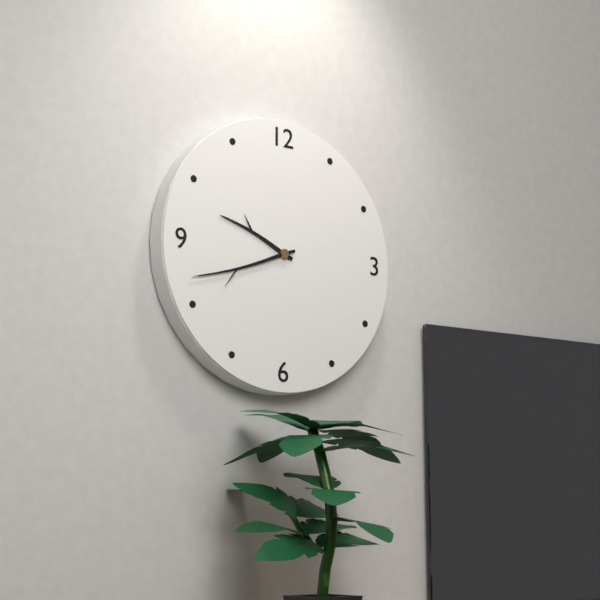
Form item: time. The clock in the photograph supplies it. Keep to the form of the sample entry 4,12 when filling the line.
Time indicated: 9,42
